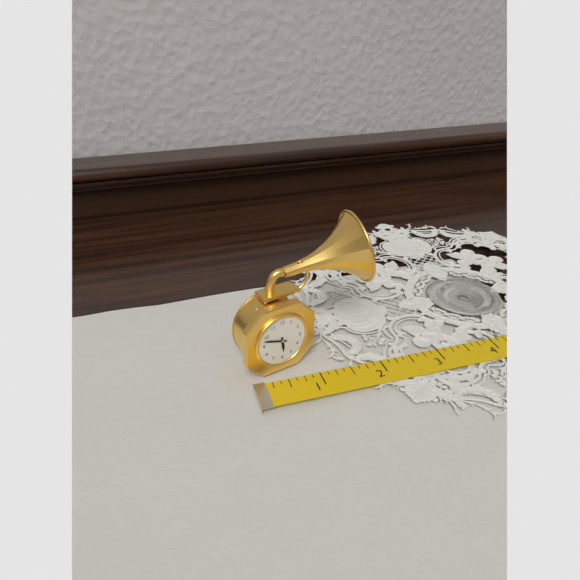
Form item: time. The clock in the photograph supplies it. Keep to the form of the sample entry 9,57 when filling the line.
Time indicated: 5,48
